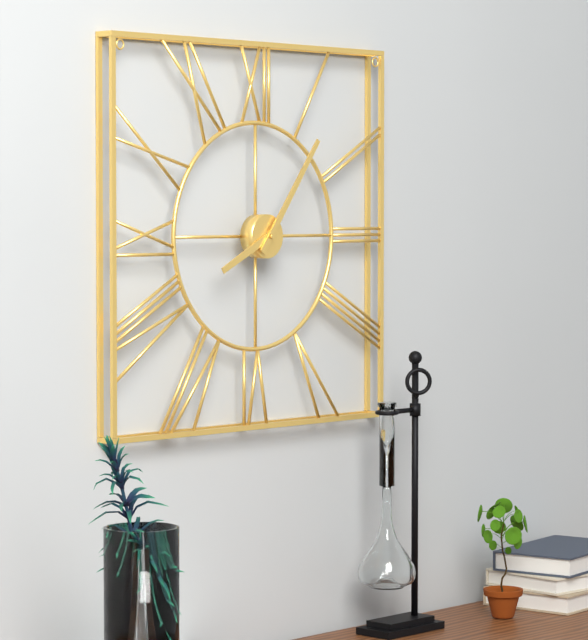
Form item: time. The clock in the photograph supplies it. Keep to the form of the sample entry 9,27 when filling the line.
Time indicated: 8,06
